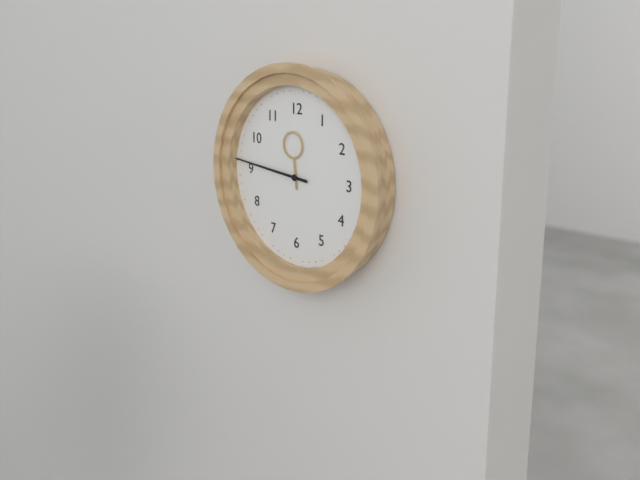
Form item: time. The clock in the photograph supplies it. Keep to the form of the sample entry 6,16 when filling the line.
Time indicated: 11,46
